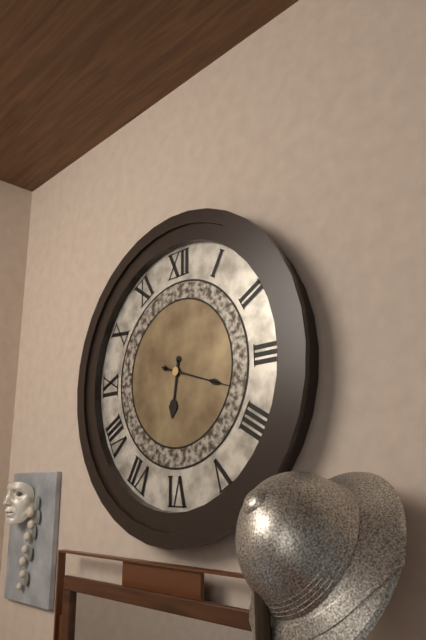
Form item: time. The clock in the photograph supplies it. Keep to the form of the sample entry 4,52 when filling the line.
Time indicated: 6,18
